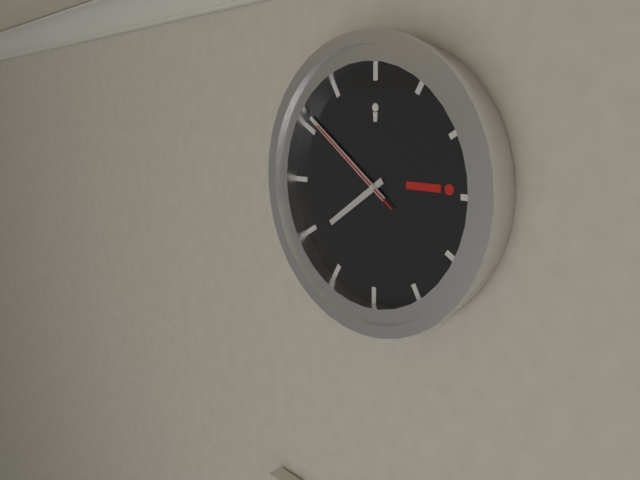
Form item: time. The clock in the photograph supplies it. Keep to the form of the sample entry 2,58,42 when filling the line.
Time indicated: 7,51,51
